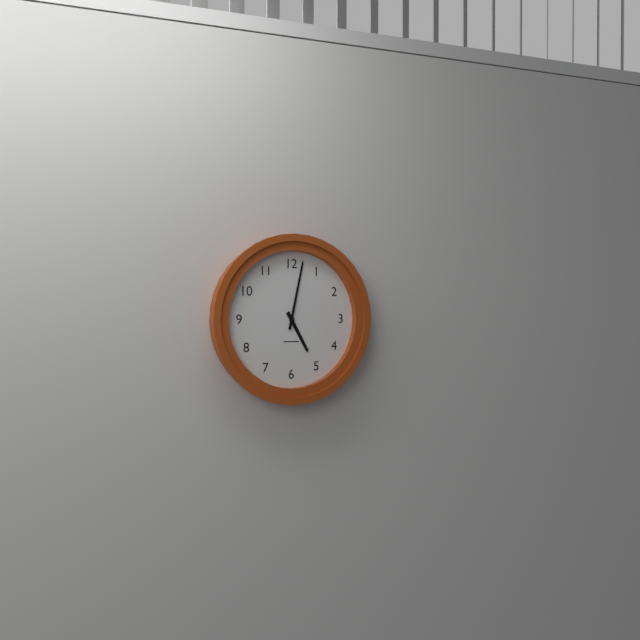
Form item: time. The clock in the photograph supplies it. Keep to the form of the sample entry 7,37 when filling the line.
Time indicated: 5,02
